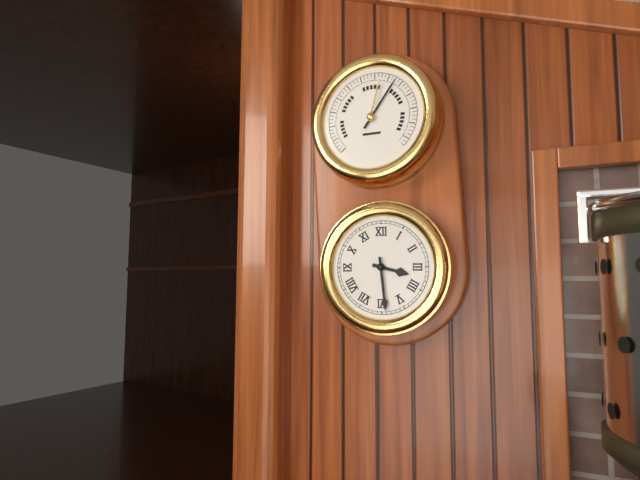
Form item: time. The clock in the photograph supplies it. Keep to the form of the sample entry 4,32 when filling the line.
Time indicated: 3,29
